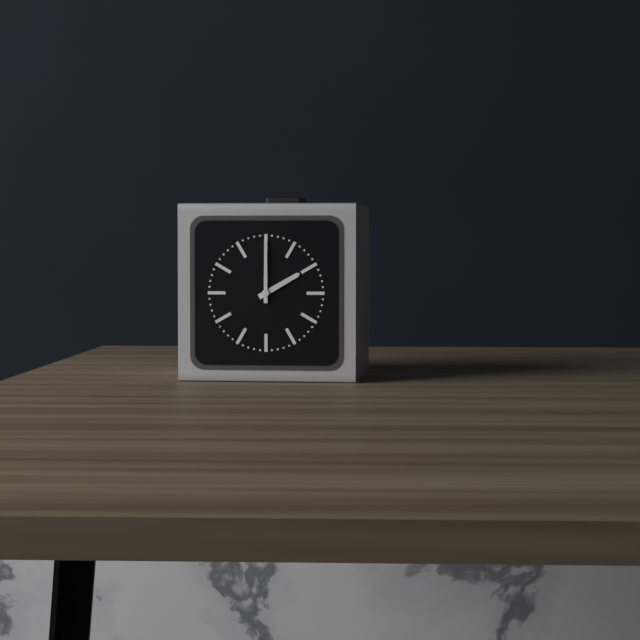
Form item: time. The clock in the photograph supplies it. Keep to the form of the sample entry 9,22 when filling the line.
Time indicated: 2,00
